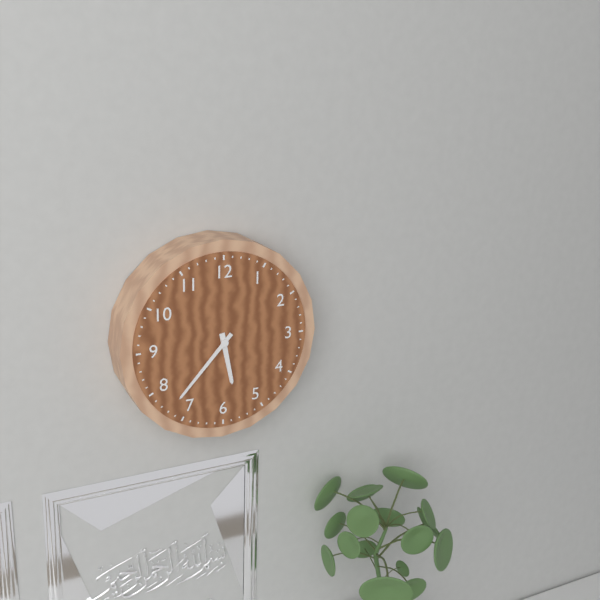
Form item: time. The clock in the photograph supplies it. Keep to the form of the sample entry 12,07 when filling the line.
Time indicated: 5,37
